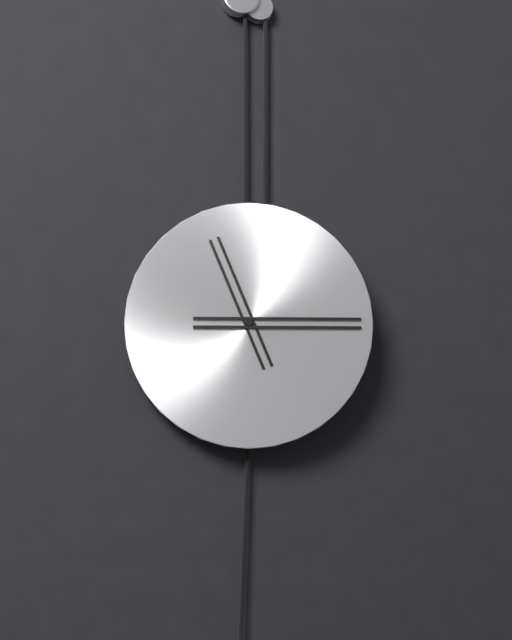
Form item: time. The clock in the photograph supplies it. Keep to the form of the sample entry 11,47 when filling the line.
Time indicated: 11,15
